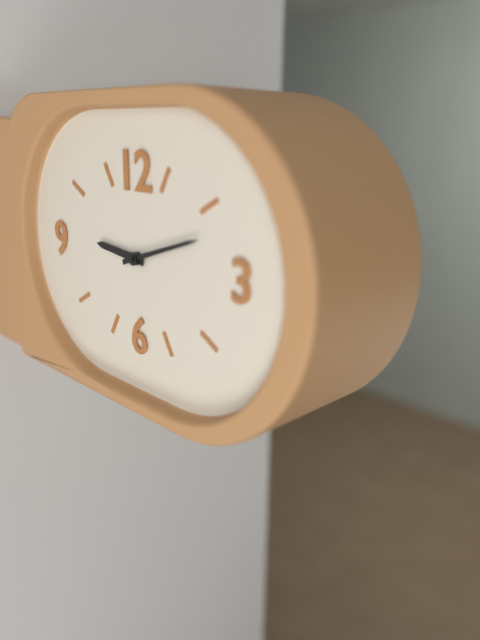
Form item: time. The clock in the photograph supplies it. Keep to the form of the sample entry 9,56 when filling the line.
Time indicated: 9,12
